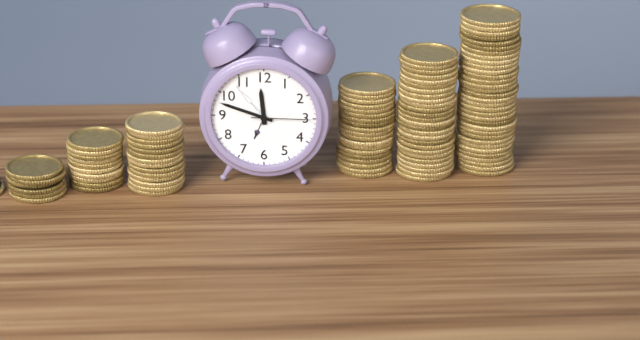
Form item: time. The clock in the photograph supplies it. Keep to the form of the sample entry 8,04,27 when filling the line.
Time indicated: 11,48,15
